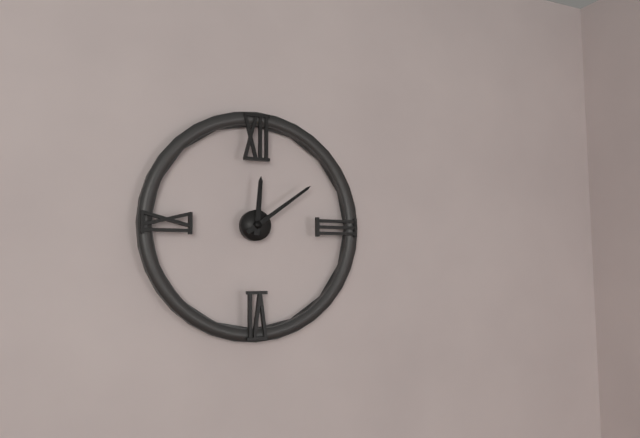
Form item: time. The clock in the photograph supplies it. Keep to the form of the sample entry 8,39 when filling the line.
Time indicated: 12,09
